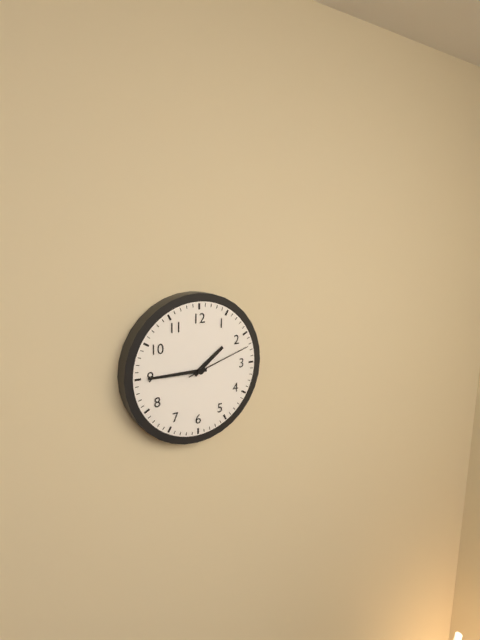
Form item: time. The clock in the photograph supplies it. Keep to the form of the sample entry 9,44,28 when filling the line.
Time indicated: 1,45,12
